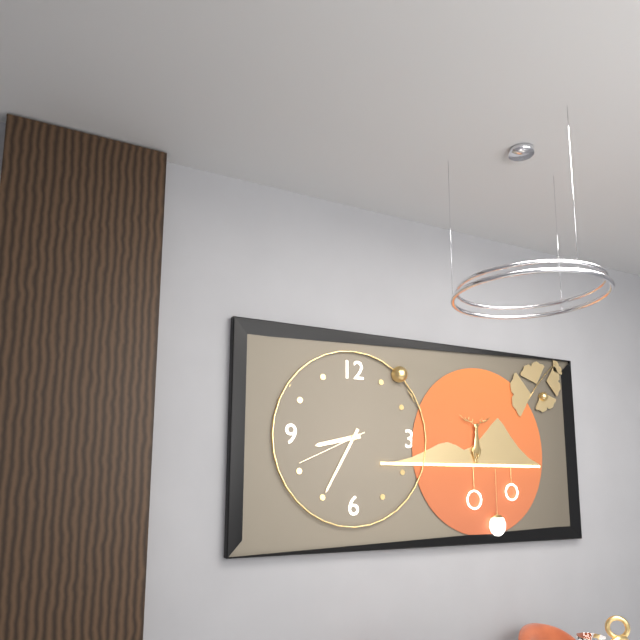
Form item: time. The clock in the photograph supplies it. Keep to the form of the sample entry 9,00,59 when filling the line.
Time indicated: 8,35,41
